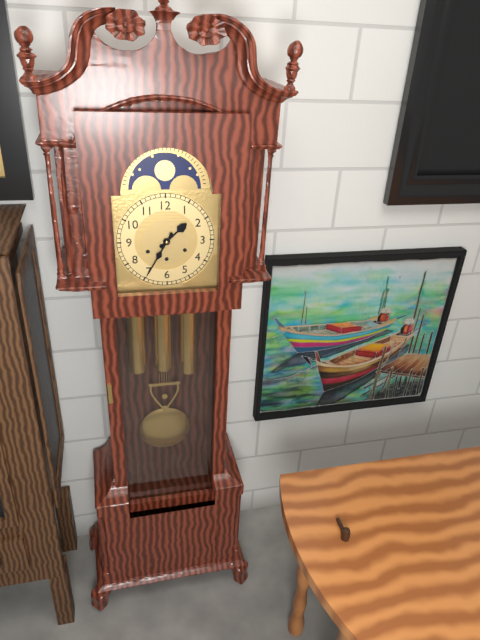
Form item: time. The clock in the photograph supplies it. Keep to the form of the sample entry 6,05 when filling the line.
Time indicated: 1,35
